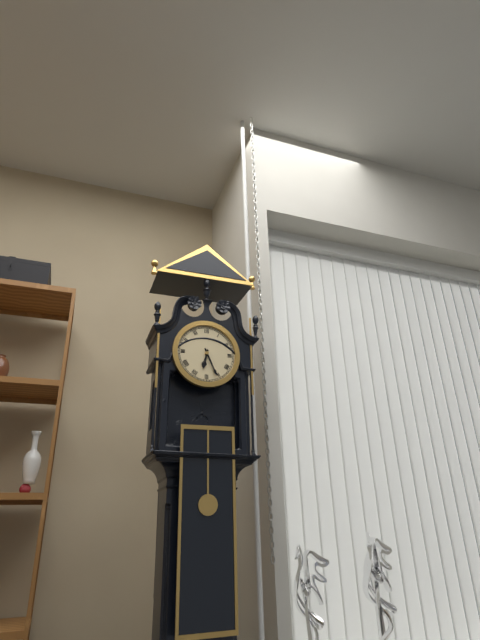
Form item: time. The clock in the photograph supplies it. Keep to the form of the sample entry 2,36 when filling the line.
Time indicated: 6,26
